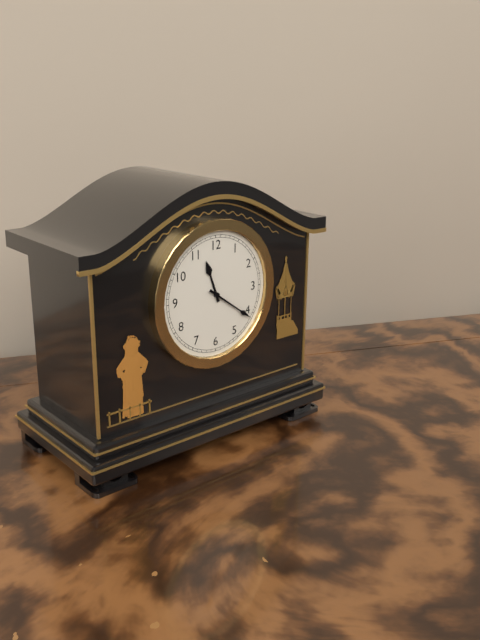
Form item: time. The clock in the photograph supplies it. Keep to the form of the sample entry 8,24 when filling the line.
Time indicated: 11,21
